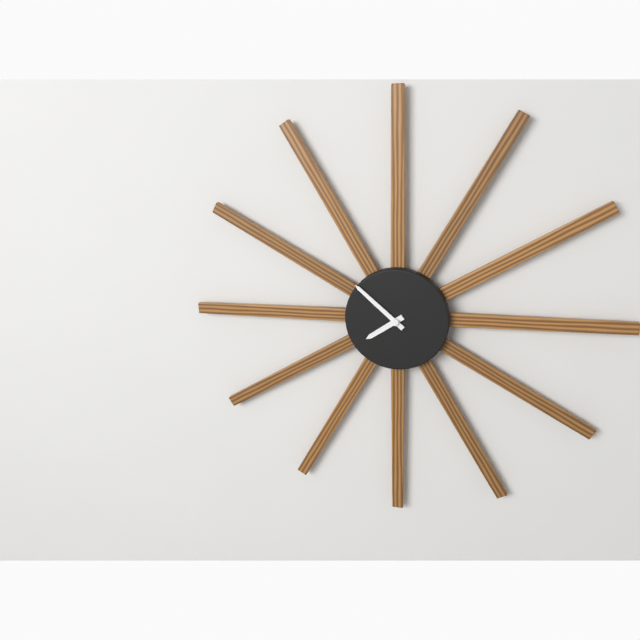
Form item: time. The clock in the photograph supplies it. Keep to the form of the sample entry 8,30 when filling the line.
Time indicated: 7,52
